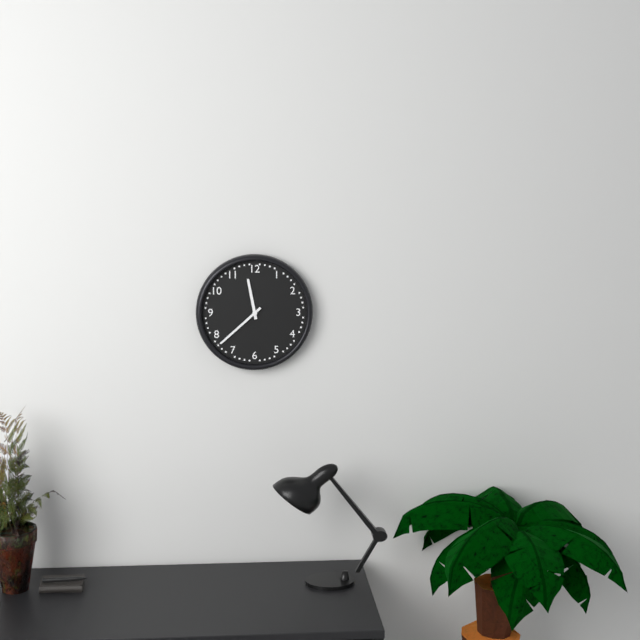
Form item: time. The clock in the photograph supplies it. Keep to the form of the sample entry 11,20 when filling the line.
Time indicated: 11,38
